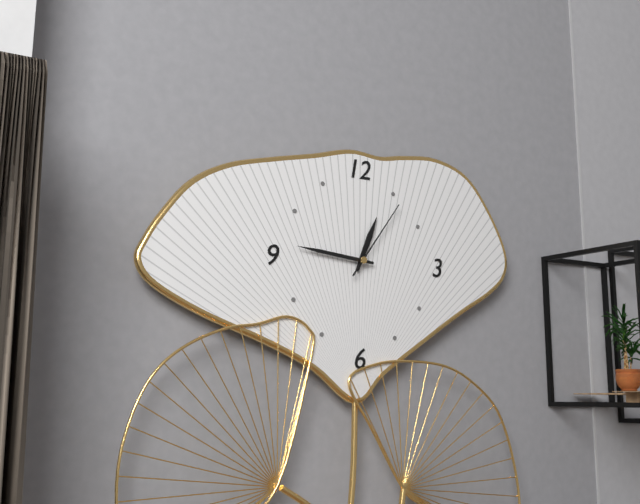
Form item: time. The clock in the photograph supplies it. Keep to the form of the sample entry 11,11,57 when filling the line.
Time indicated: 12,46,06
